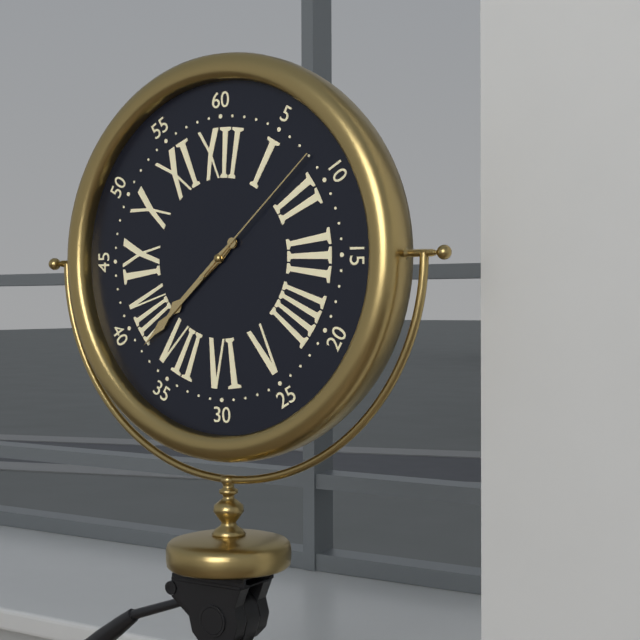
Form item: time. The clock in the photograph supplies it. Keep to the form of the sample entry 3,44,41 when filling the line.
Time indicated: 7,38,08
